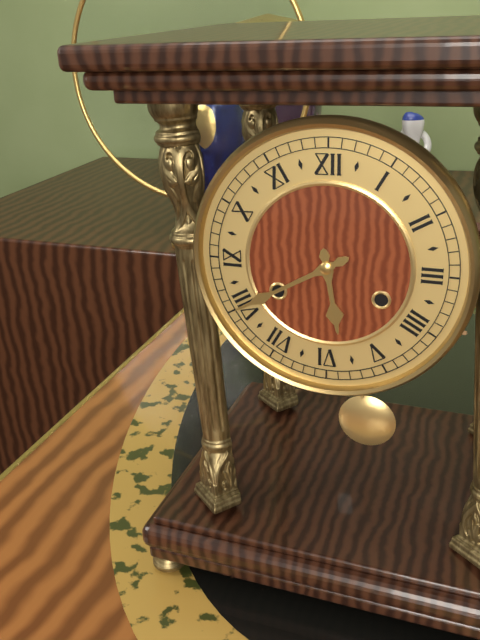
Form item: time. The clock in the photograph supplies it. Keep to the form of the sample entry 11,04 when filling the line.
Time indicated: 5,40
